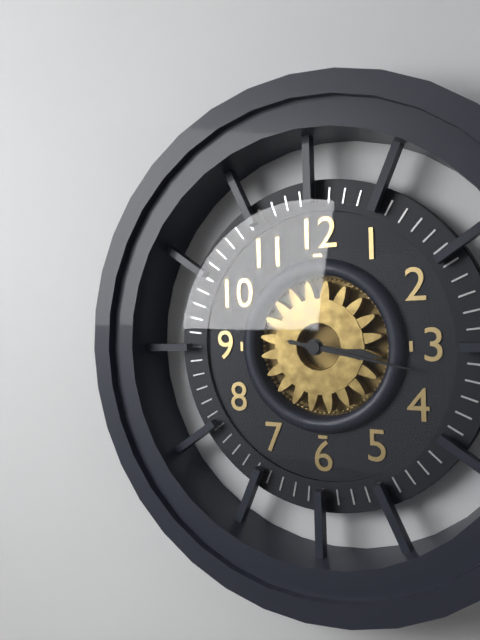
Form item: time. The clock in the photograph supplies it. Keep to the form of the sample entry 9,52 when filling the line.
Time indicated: 3,17
